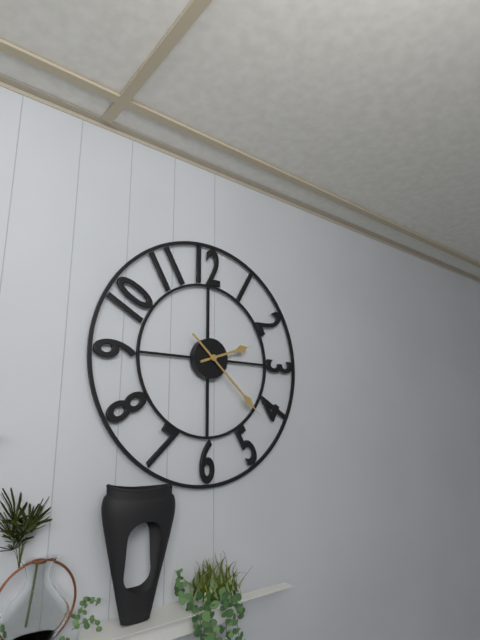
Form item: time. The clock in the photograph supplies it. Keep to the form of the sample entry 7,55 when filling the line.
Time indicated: 2,22
